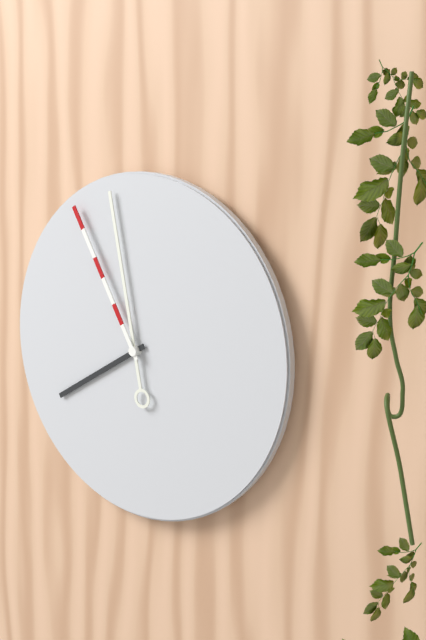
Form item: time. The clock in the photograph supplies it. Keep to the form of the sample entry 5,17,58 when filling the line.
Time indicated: 7,58,55
